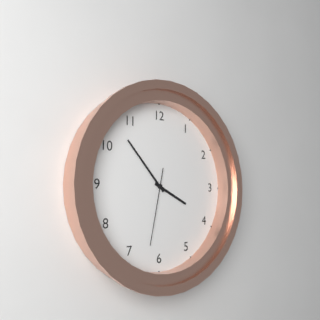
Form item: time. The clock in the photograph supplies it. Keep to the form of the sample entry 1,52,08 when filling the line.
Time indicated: 3,53,32
